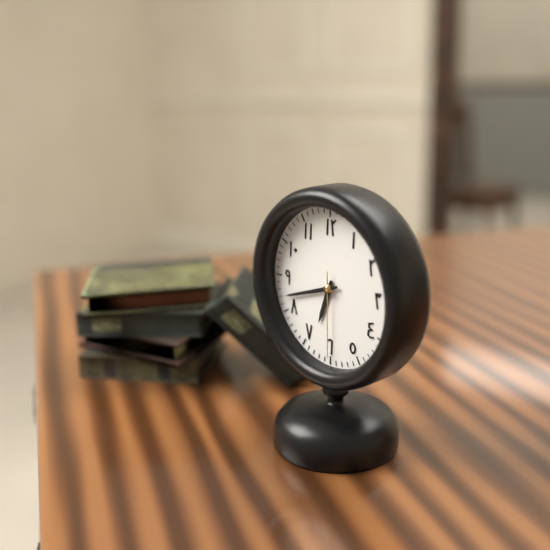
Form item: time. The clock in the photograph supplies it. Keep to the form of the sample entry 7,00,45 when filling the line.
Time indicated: 6,42,30
